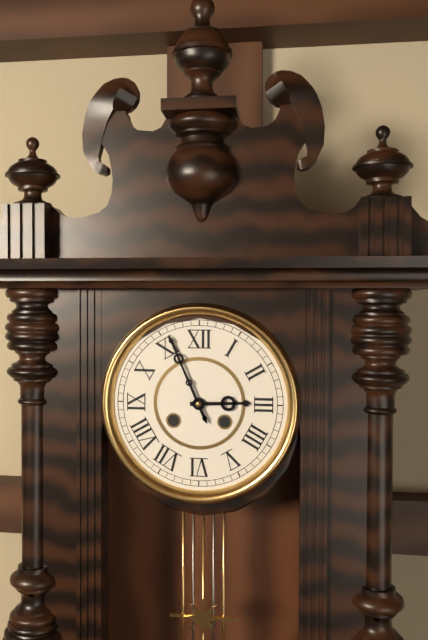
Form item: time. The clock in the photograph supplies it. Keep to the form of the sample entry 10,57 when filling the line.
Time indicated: 2,56
